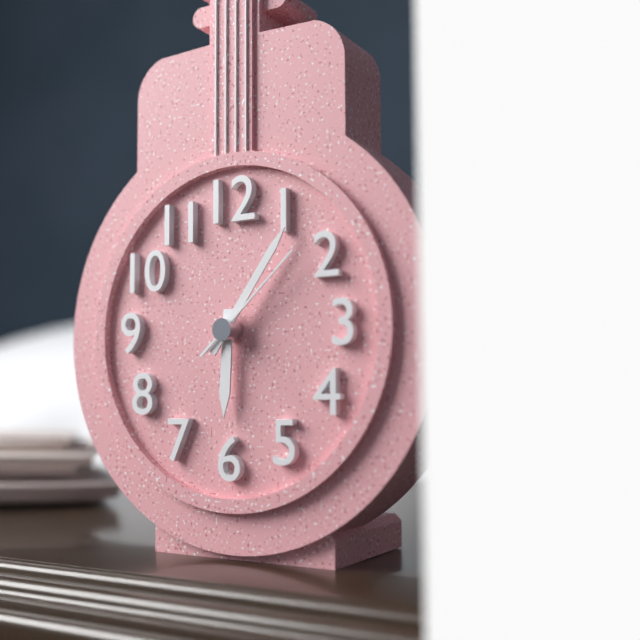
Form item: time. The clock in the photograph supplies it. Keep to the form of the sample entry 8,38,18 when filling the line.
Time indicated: 6,06,08
